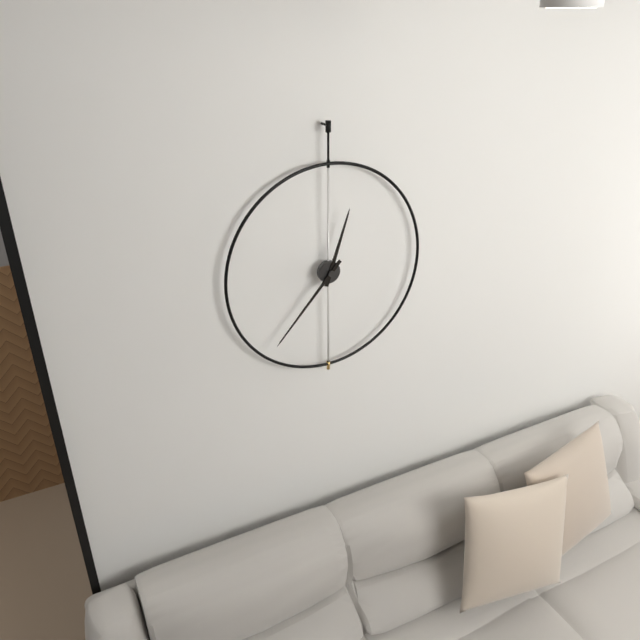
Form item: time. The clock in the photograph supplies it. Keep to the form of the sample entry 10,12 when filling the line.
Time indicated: 12,37
